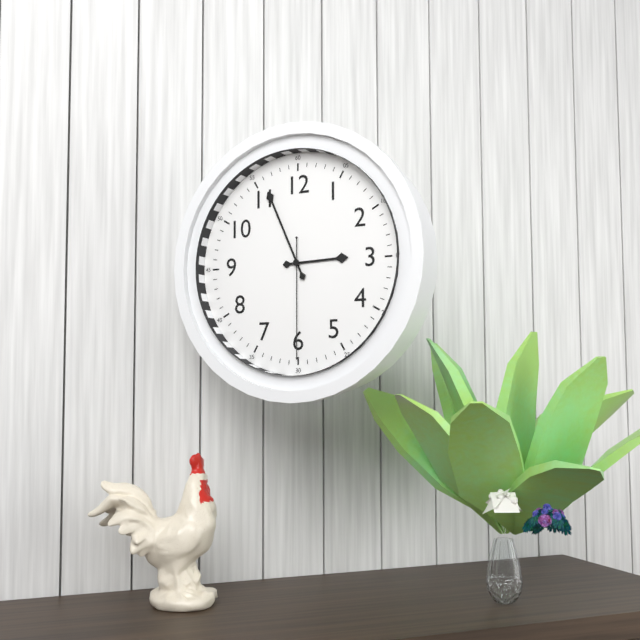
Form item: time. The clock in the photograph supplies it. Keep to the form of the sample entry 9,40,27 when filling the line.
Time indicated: 2,56,30
